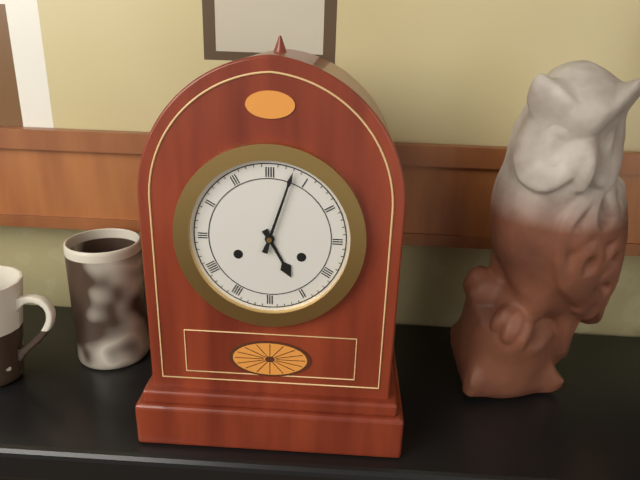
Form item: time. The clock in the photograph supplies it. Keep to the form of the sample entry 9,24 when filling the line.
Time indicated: 5,03
